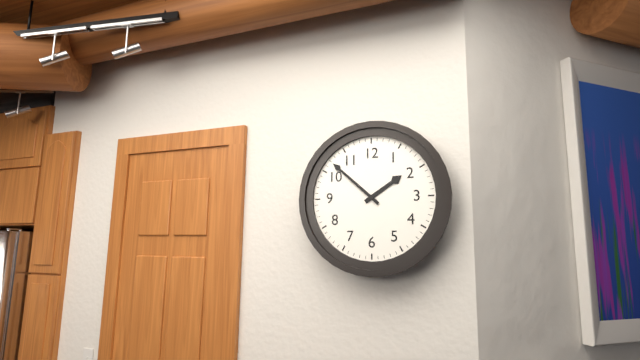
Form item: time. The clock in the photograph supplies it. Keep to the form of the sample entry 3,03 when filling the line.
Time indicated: 1,52
